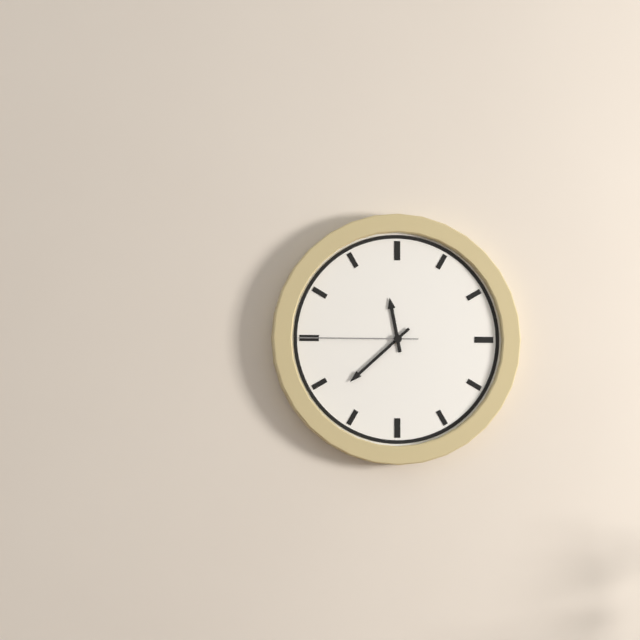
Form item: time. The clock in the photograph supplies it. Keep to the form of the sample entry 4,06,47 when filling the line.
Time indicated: 11,38,45
